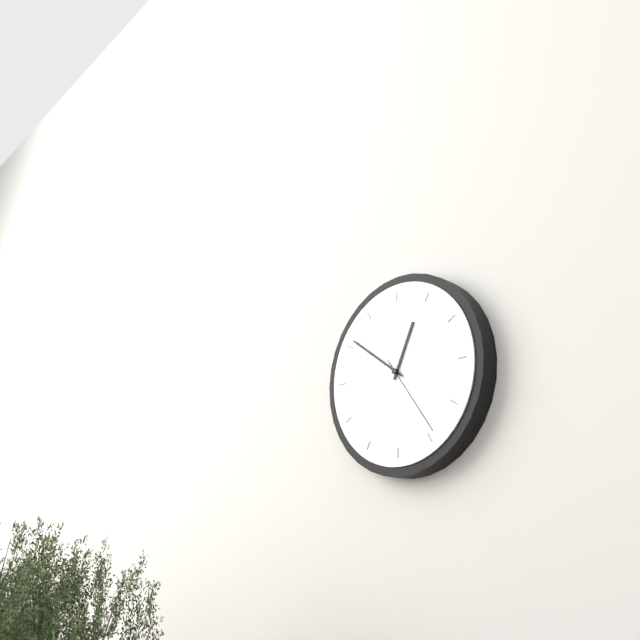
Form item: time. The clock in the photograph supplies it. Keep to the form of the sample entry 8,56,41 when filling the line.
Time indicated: 12,51,24
